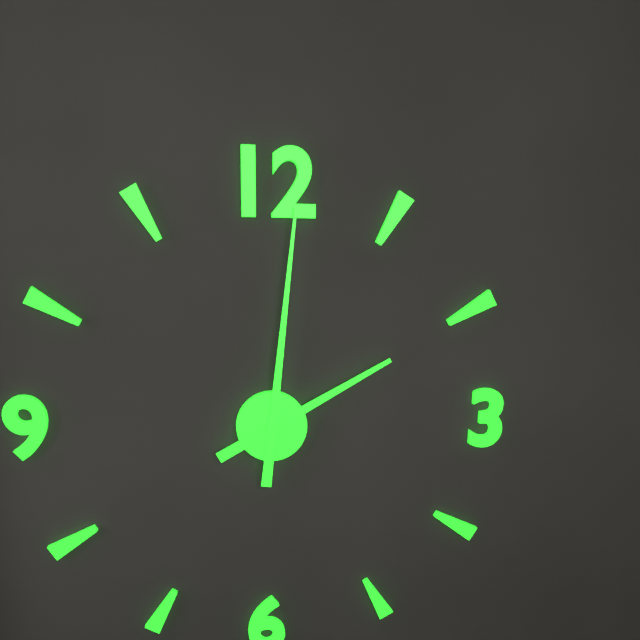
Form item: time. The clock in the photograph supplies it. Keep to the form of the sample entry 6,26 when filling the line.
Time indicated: 2,01
